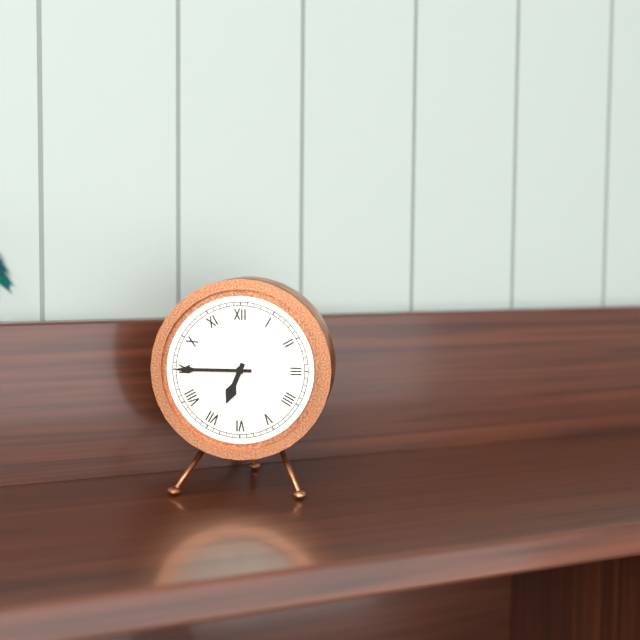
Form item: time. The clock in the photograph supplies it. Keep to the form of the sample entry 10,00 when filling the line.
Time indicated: 6,45
